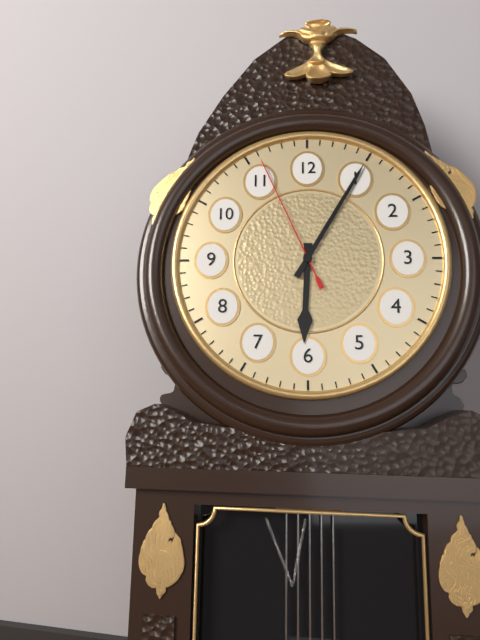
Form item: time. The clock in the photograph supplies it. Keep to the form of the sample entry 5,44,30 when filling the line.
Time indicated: 6,05,56
